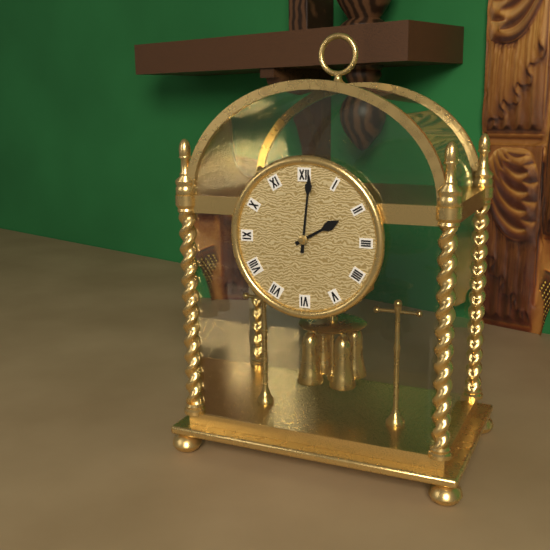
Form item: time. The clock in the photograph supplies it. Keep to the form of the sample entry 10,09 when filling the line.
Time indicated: 2,01
